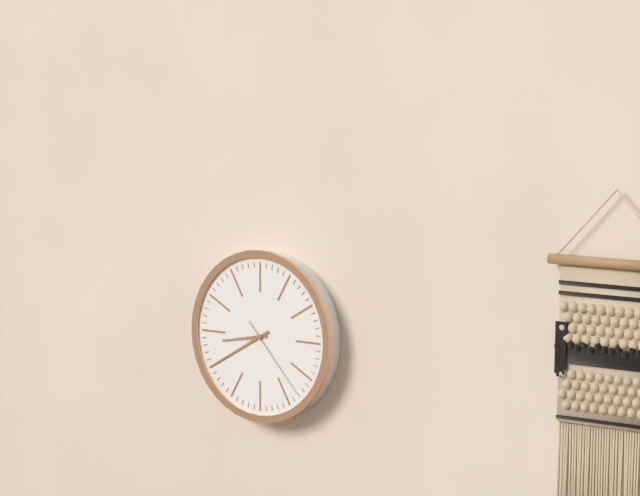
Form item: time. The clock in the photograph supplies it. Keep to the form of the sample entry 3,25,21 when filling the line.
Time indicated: 8,40,23
